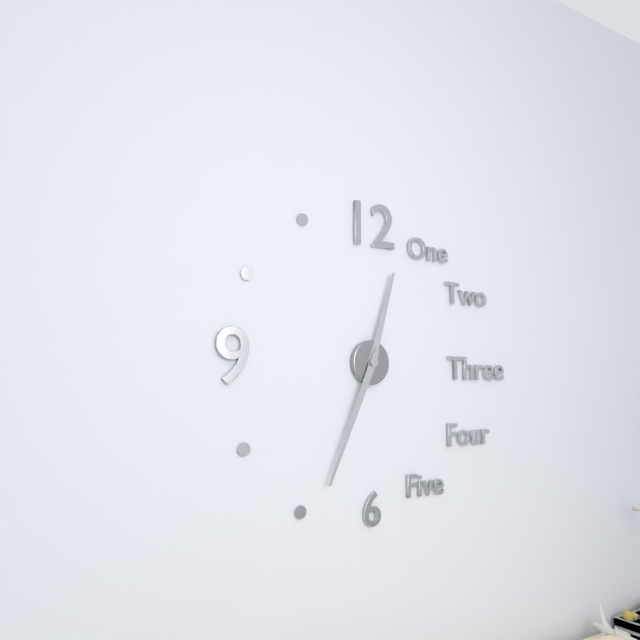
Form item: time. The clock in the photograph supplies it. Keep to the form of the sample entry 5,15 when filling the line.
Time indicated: 12,34
